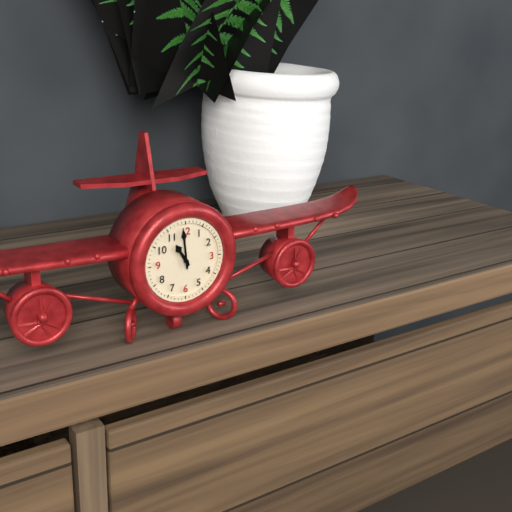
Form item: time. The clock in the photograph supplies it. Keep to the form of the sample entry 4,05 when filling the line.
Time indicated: 10,59
